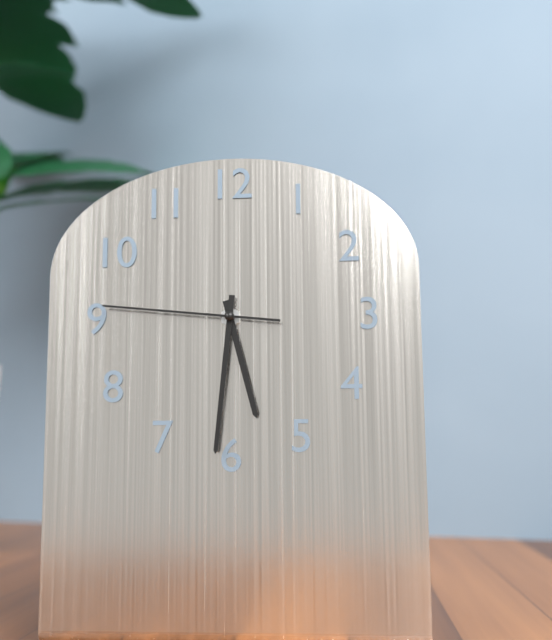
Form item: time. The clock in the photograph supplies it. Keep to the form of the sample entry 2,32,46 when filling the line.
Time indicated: 5,31,46
